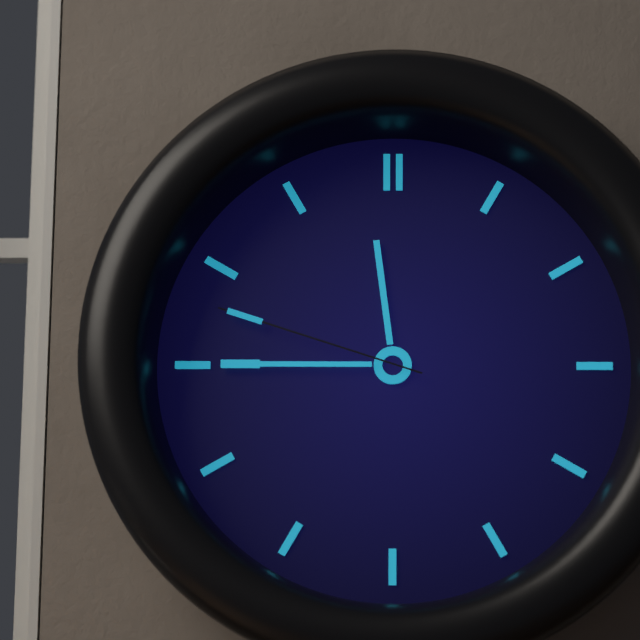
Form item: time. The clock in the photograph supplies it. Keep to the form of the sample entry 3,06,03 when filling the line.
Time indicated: 11,45,48
